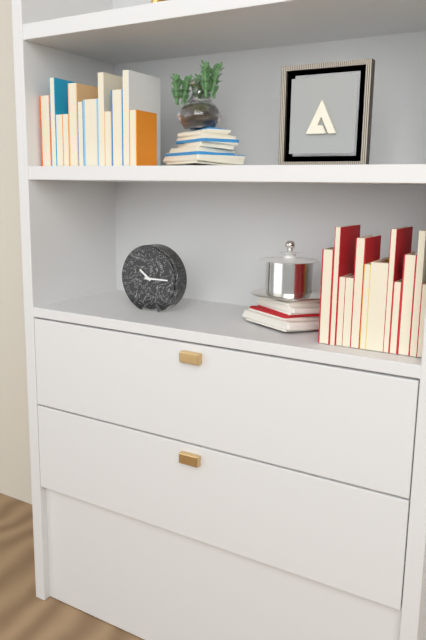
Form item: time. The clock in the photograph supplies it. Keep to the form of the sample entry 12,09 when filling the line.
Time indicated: 10,15
